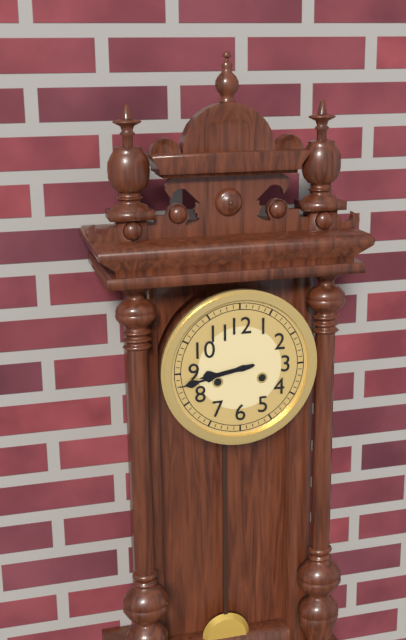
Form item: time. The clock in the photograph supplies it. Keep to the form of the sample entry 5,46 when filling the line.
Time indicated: 8,43
